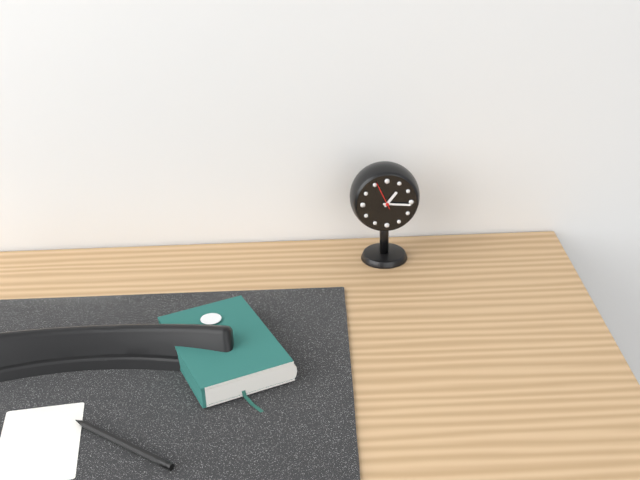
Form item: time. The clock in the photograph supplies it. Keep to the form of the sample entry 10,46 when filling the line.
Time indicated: 1,16
